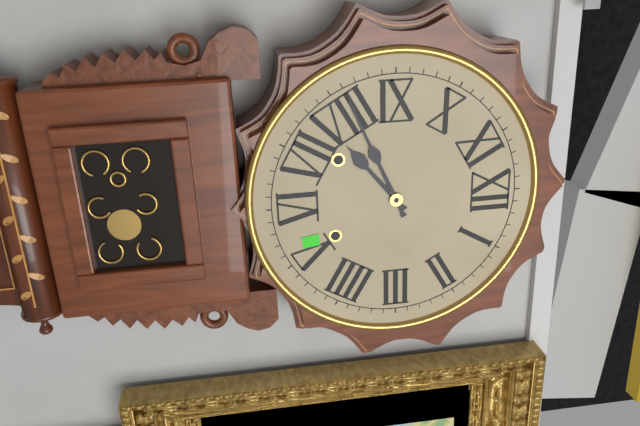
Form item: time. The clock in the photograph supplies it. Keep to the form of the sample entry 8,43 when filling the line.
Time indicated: 7,41
